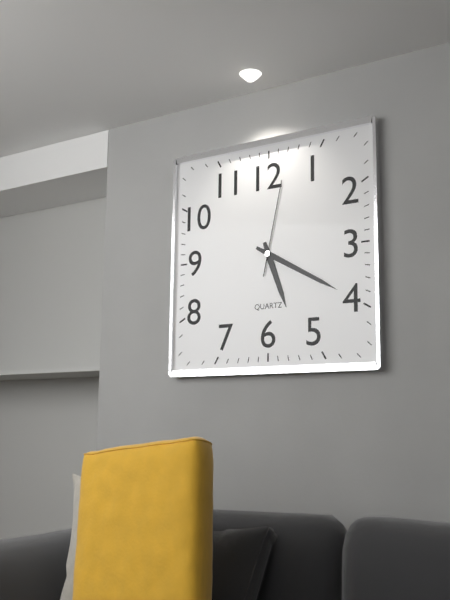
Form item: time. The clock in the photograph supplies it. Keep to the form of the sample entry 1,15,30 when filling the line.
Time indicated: 5,20,02
